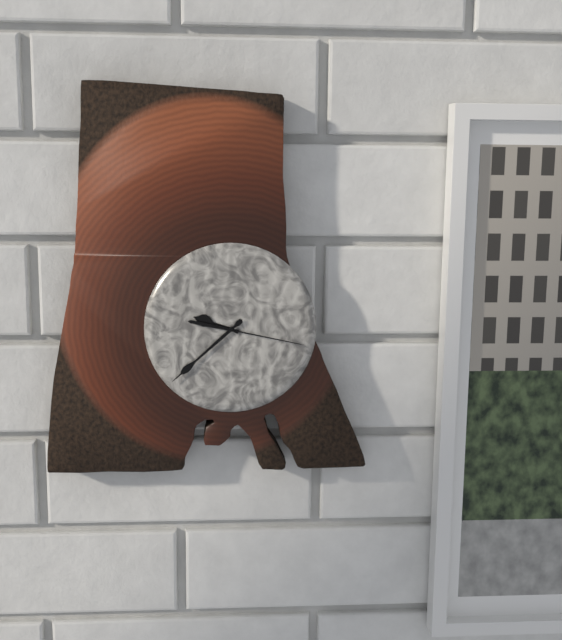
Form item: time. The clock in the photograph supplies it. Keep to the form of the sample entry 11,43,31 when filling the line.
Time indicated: 9,38,17
